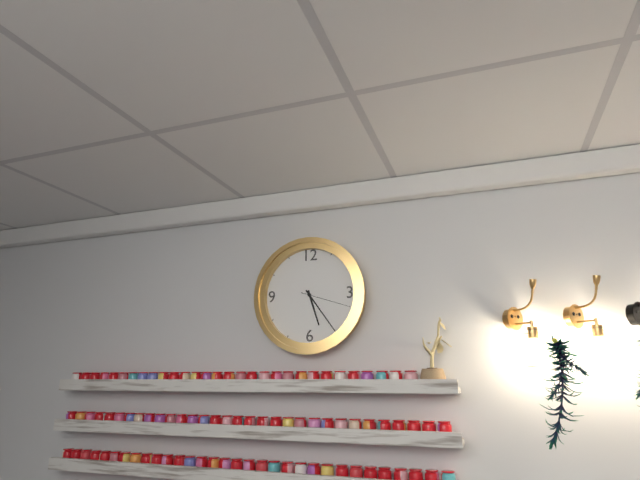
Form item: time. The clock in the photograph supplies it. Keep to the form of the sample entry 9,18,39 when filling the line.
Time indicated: 5,24,18
